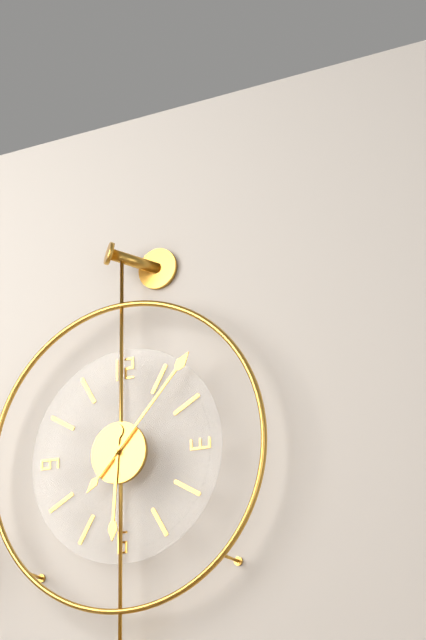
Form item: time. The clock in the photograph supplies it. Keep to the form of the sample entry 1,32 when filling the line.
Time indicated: 6,07
